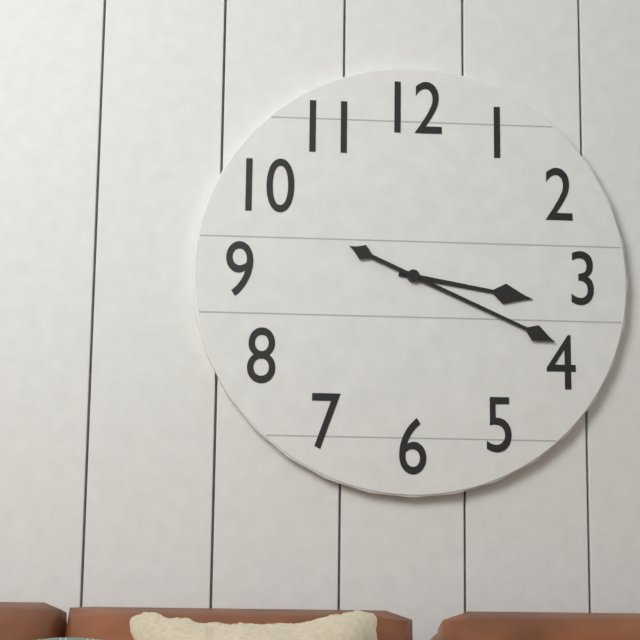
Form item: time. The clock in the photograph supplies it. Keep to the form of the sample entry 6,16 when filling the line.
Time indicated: 3,19
